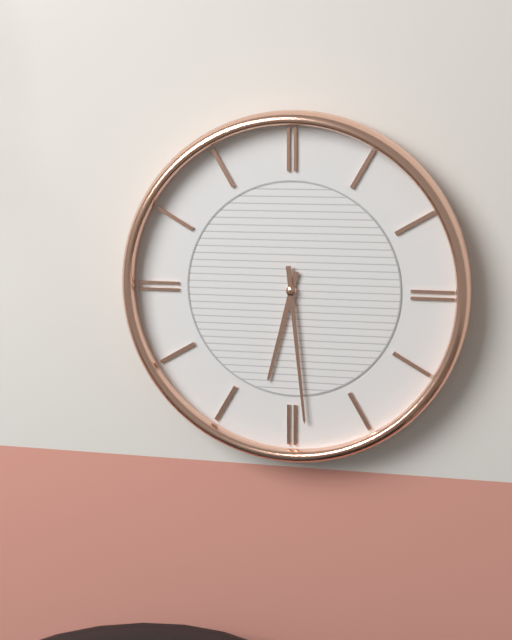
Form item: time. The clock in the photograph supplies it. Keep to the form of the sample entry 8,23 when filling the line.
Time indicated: 6,29
